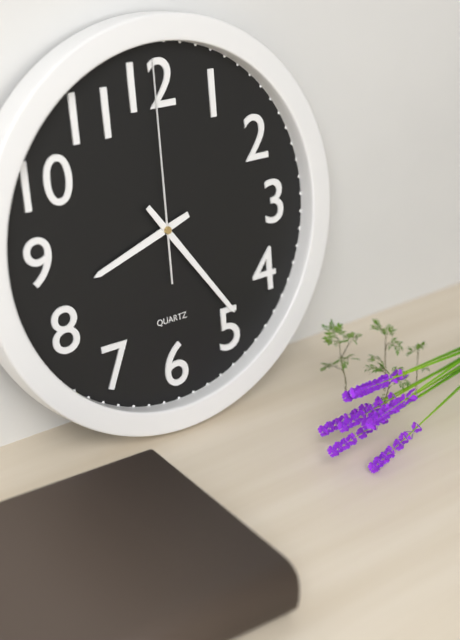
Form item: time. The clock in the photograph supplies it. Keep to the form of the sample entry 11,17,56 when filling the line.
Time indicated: 8,24,00
